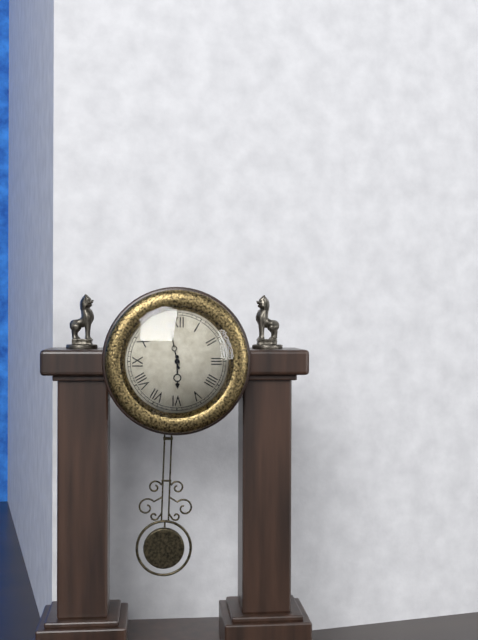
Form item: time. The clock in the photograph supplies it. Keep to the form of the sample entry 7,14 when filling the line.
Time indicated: 5,58
